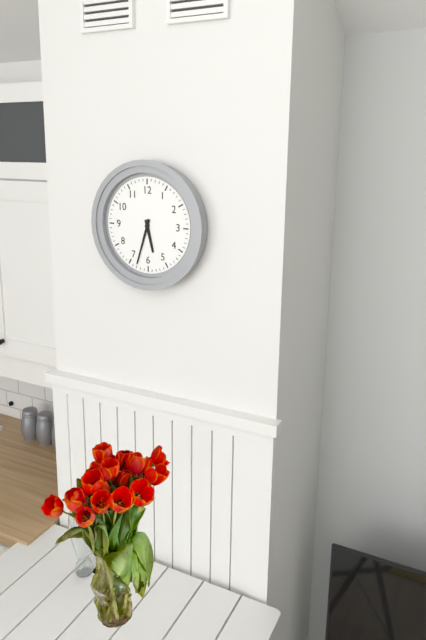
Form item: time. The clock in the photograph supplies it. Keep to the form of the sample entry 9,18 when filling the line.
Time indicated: 5,33
